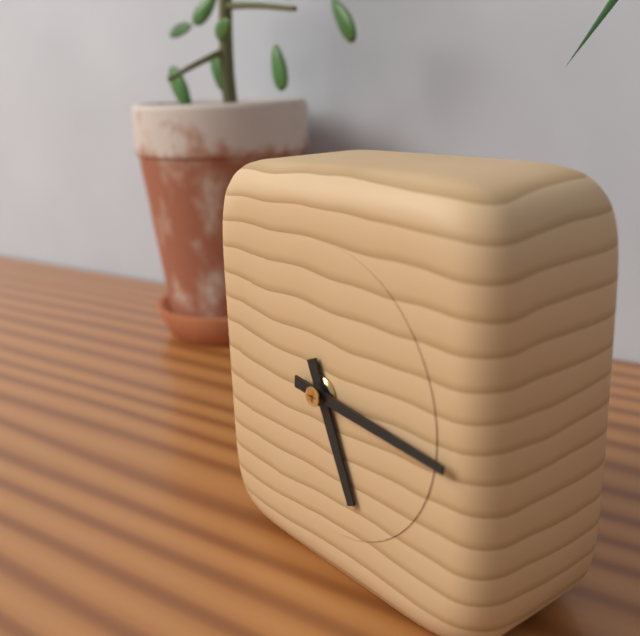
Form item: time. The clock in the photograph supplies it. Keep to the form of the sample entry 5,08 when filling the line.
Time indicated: 5,16
